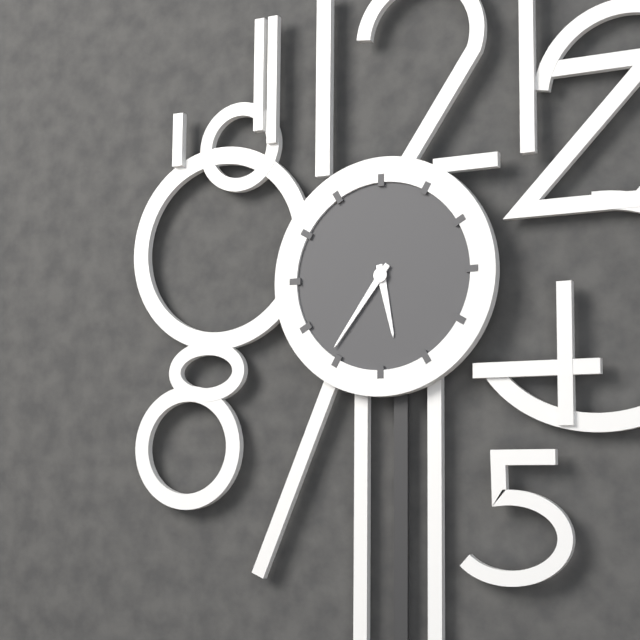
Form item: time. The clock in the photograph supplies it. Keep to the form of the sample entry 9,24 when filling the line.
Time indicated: 5,36
